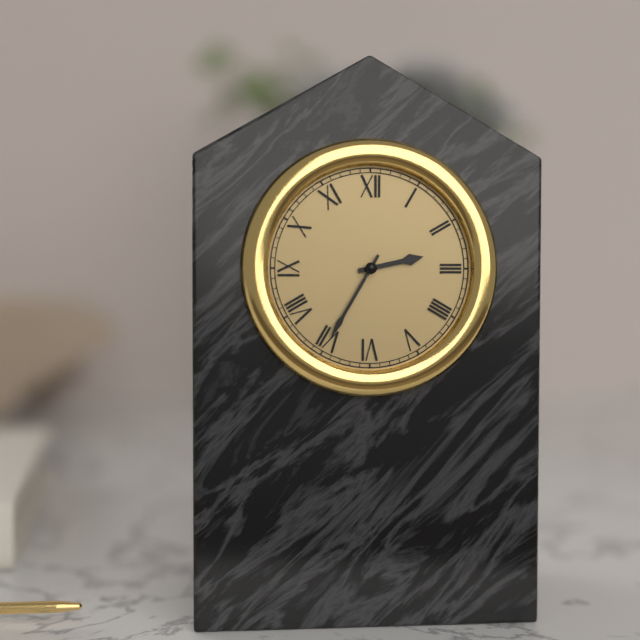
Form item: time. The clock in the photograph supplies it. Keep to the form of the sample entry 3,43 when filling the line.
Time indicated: 2,35
